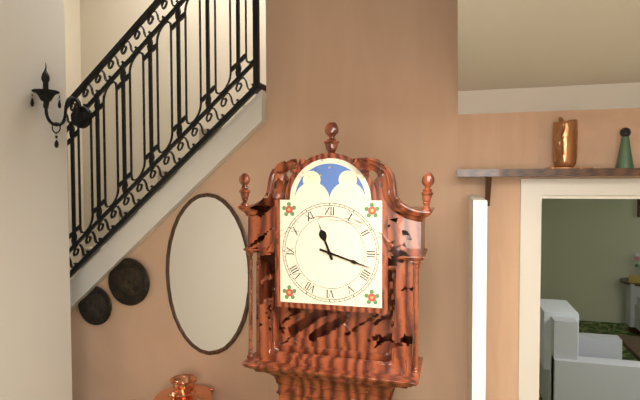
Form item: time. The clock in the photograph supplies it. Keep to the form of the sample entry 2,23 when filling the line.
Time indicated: 11,18
